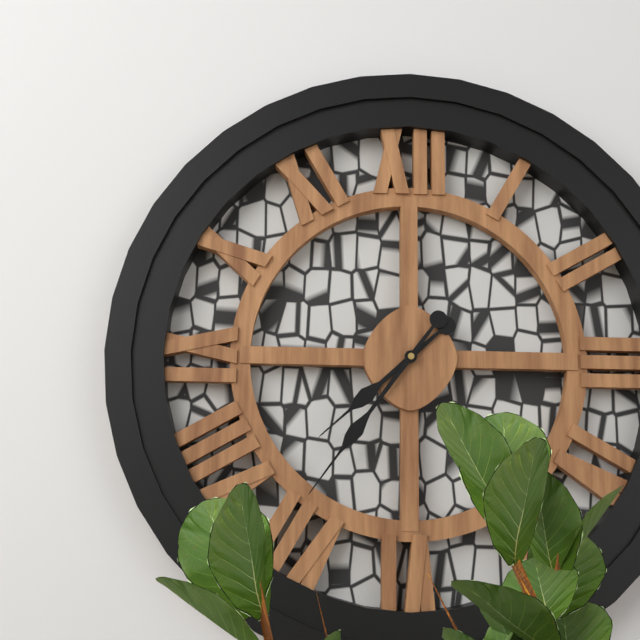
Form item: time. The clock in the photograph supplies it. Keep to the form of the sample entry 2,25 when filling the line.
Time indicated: 7,36
